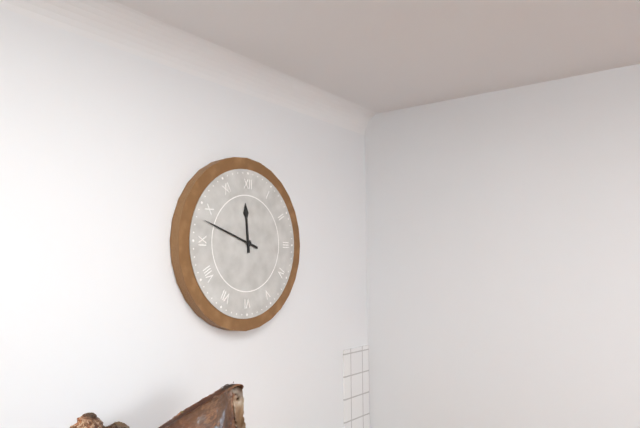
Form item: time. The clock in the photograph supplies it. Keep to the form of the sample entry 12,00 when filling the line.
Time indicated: 11,48
